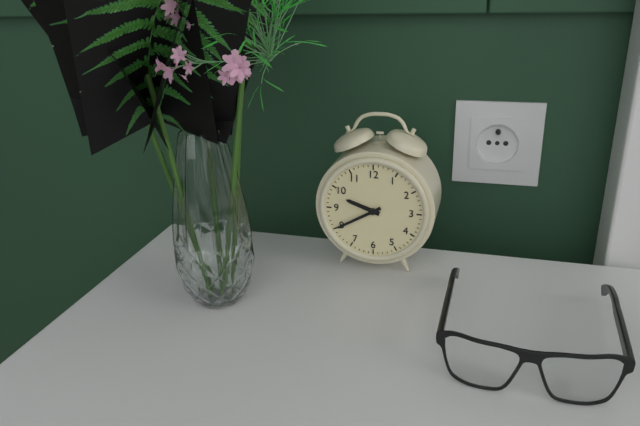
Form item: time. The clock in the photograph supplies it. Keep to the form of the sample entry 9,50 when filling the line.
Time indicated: 9,40
